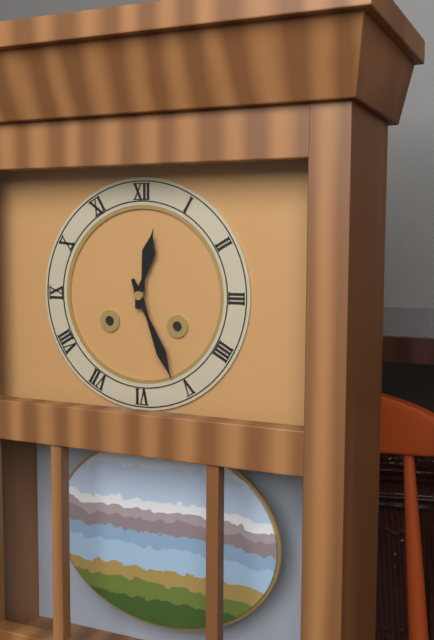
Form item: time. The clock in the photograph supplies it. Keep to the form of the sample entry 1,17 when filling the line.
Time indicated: 12,26
